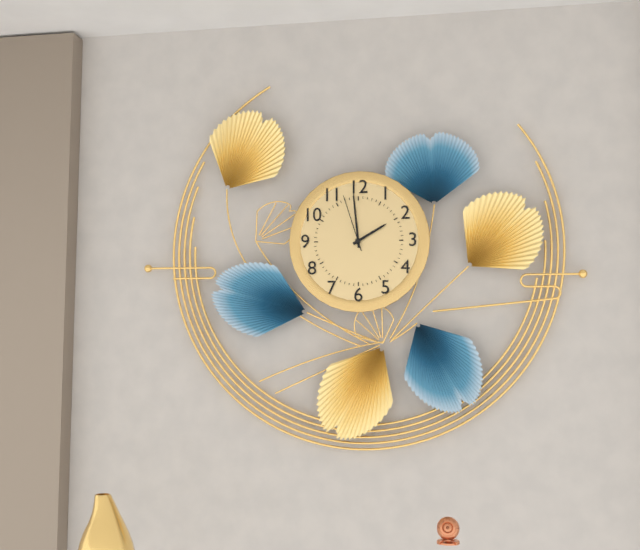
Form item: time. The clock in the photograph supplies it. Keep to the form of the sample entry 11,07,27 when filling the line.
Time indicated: 1,59,57
